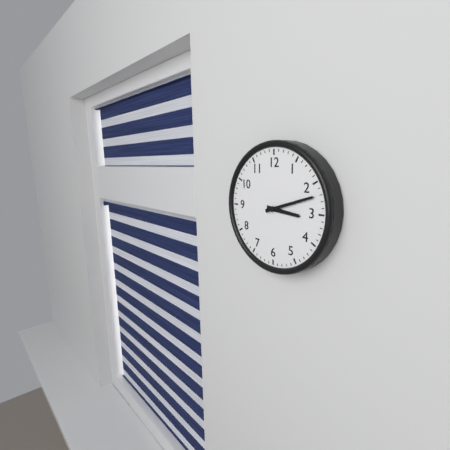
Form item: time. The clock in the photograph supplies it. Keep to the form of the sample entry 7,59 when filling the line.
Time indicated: 3,12
